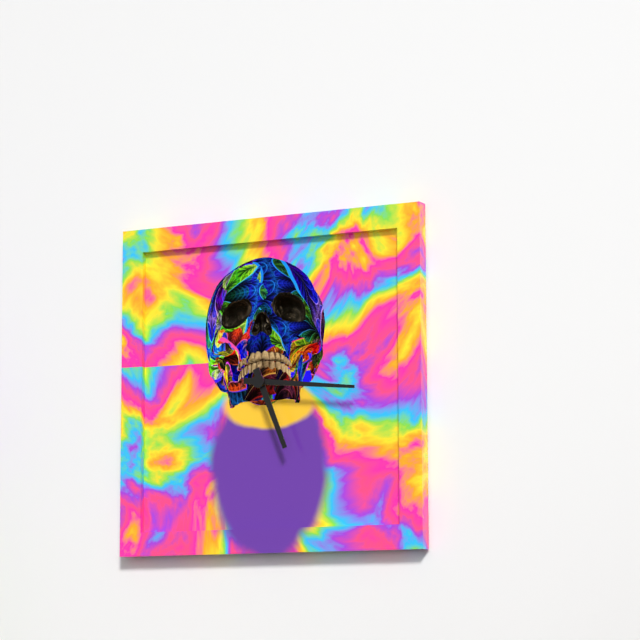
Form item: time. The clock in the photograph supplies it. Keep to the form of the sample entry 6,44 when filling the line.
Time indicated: 5,16
